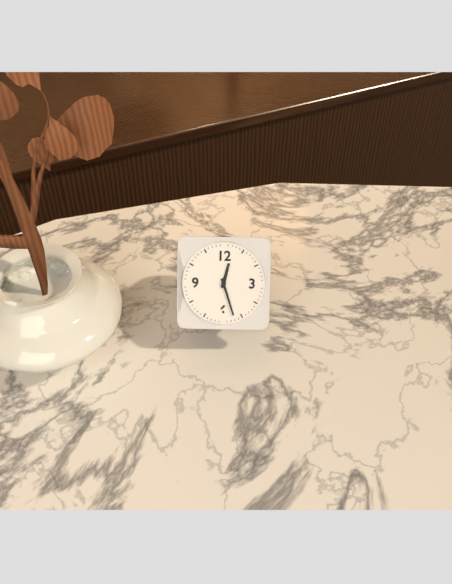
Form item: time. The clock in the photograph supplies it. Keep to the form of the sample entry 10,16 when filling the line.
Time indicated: 12,27
